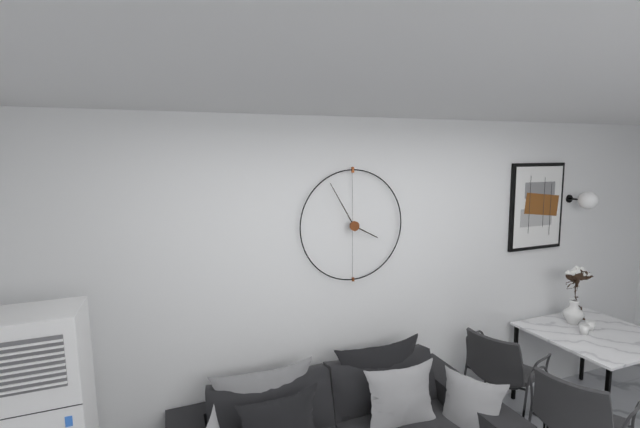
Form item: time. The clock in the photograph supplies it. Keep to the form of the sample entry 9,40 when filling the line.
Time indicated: 3,55
